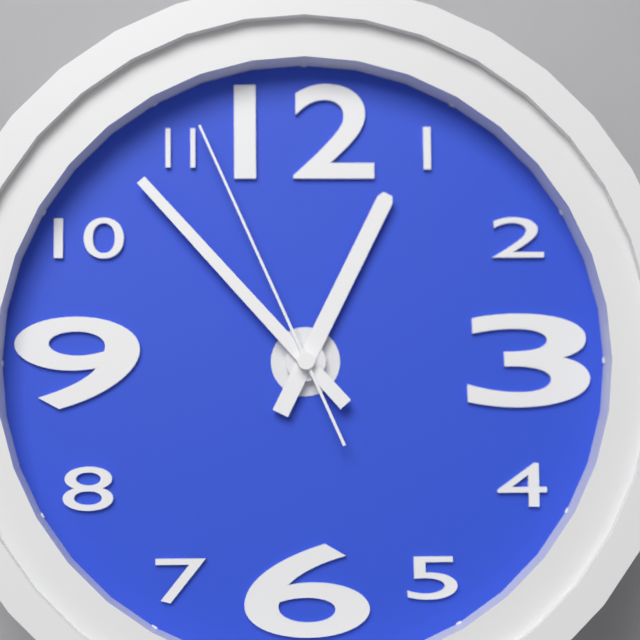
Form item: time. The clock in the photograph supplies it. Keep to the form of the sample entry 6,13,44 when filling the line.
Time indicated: 12,53,56
